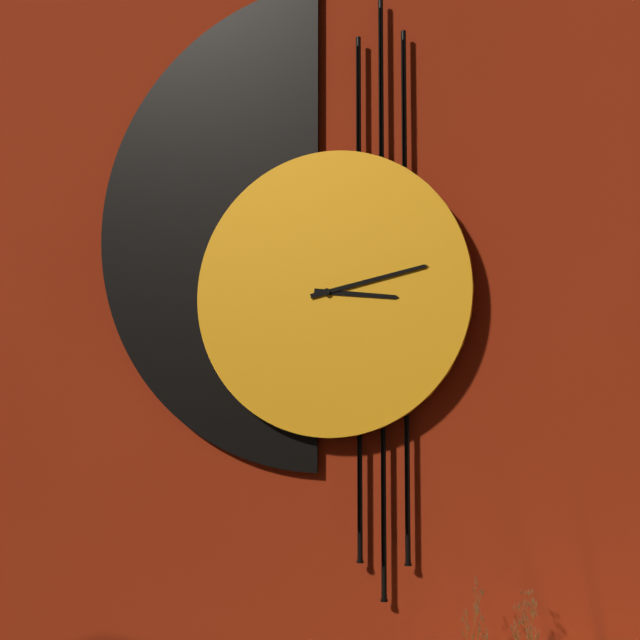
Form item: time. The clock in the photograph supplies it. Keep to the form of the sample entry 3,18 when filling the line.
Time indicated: 3,13
